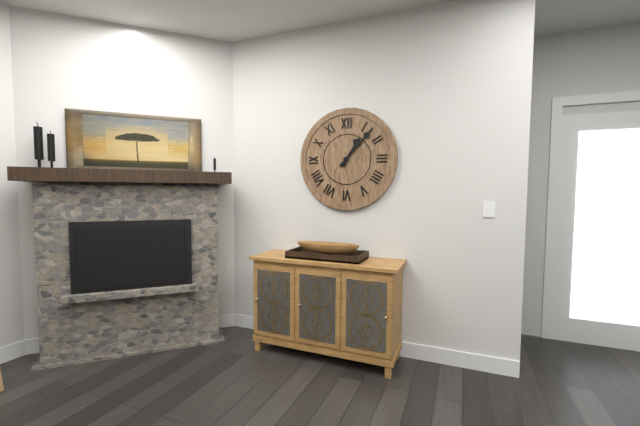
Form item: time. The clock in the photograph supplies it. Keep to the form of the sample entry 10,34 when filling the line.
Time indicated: 1,07
